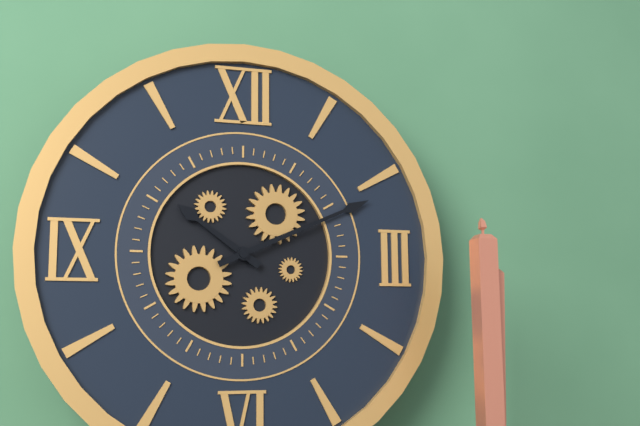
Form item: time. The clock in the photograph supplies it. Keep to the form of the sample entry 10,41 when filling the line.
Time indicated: 10,11
